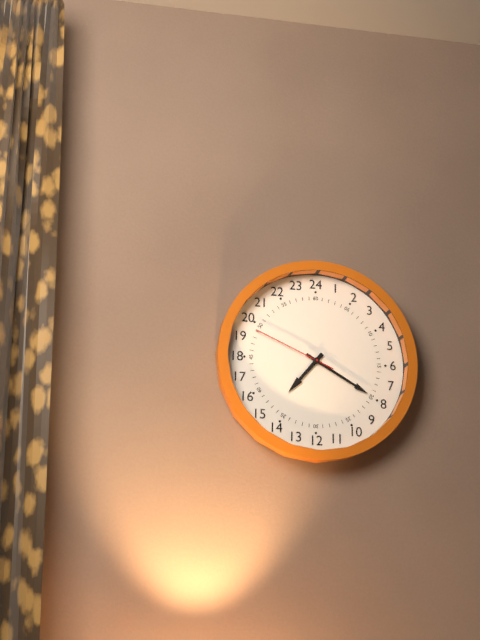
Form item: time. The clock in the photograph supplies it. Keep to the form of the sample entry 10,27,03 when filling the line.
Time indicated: 7,20,49
